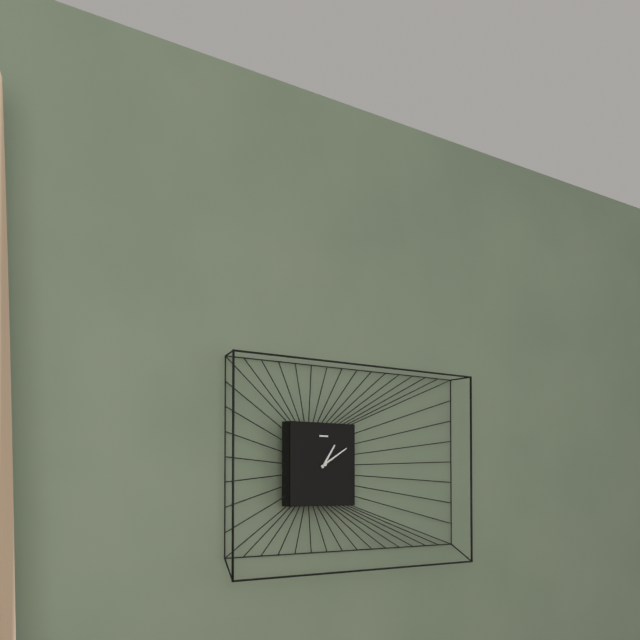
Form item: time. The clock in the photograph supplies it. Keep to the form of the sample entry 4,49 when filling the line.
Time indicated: 1,10
